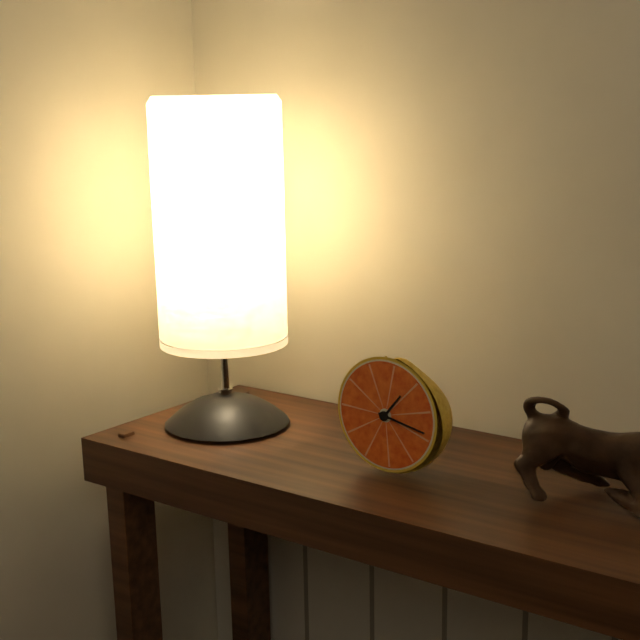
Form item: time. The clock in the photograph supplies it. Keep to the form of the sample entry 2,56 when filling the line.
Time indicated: 1,17
